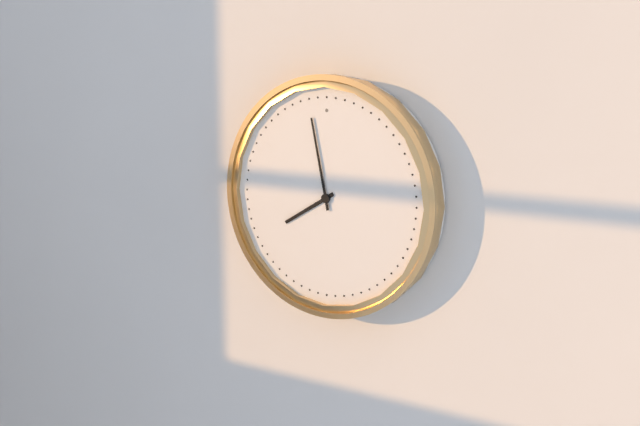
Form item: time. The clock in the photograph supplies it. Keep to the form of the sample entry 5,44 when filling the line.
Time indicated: 7,58
